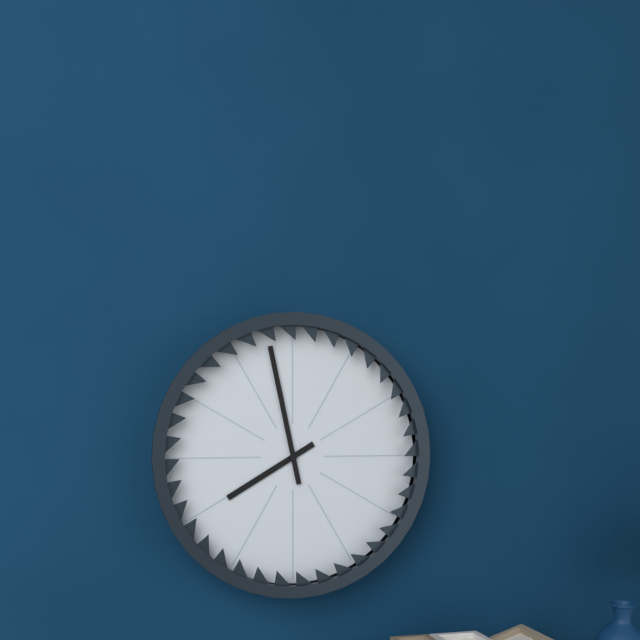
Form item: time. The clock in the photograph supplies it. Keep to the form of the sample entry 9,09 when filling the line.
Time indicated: 7,58
